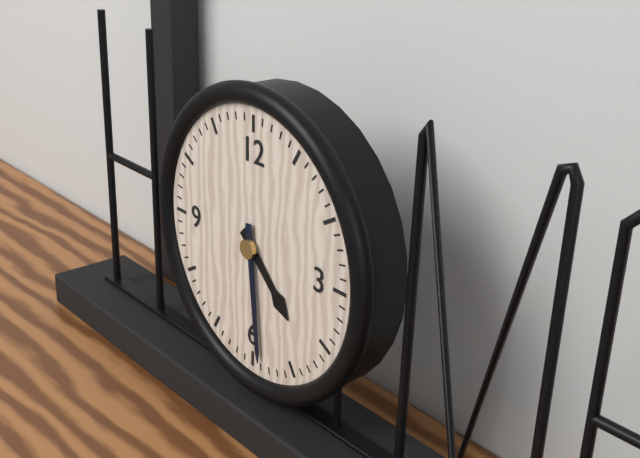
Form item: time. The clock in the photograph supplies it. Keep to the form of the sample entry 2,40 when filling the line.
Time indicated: 4,29
